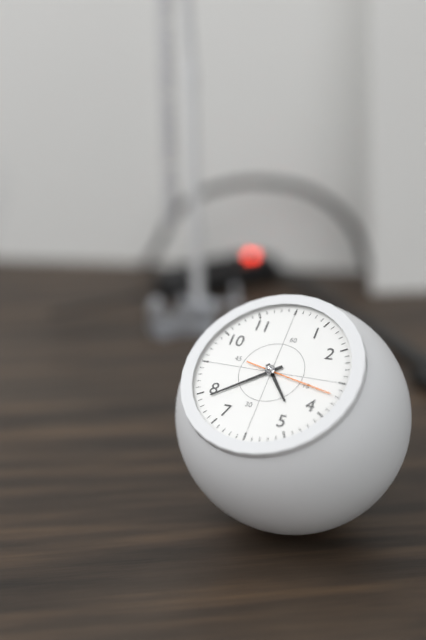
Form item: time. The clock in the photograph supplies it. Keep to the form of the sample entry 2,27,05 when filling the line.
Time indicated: 4,39,17
